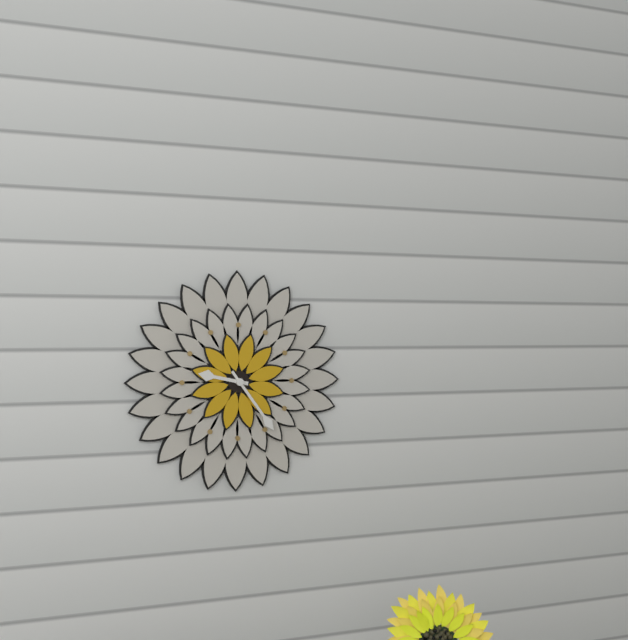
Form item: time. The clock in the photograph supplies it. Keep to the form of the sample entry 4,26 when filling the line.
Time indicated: 9,24
